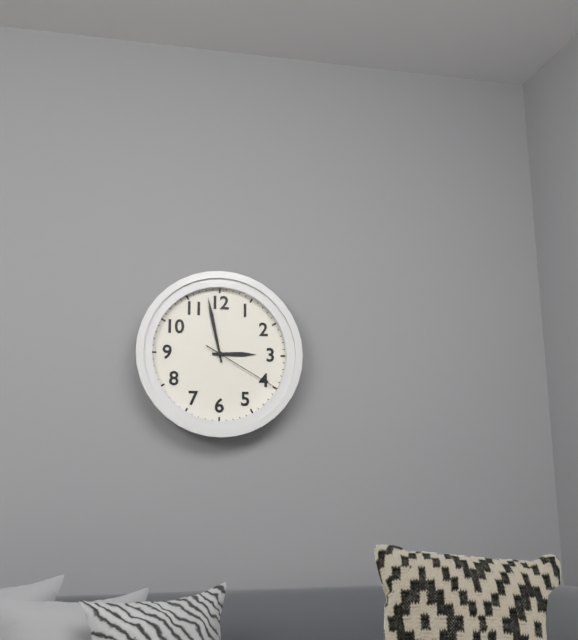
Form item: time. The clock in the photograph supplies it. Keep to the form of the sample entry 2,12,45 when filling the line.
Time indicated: 2,58,20
